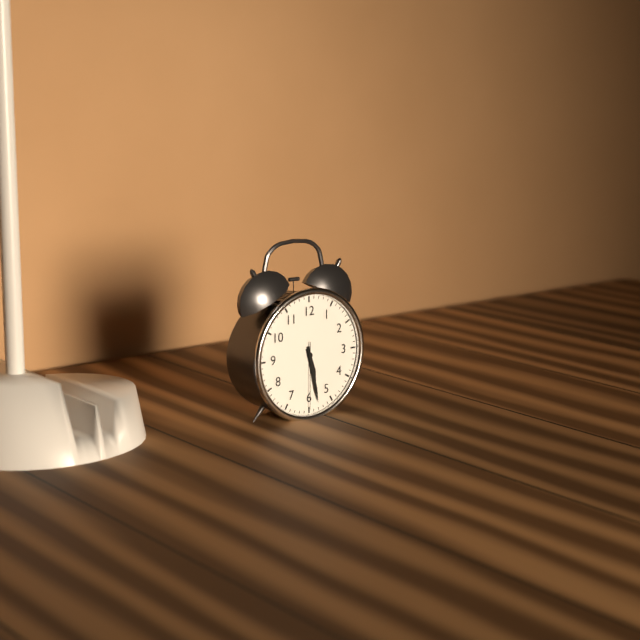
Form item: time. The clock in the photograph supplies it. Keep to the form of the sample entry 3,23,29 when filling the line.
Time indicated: 5,28,30
